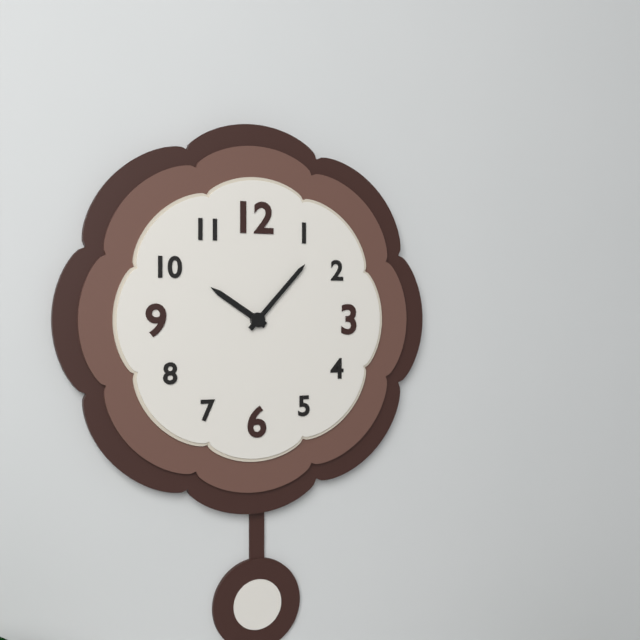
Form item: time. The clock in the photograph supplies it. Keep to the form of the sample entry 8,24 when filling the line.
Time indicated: 10,07
